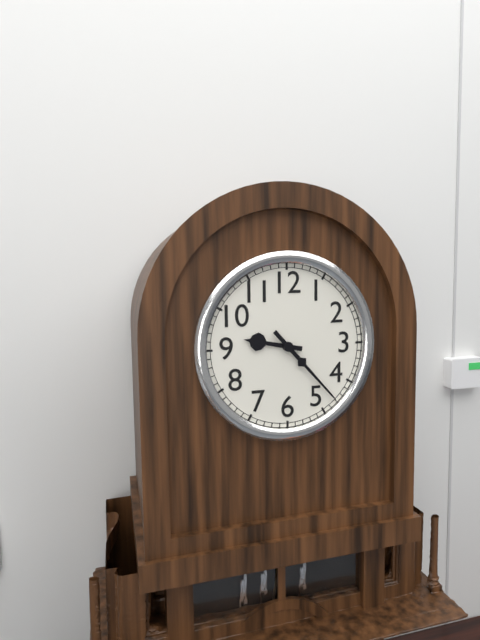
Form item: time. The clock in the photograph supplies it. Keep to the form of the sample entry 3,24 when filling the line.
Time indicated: 9,23
